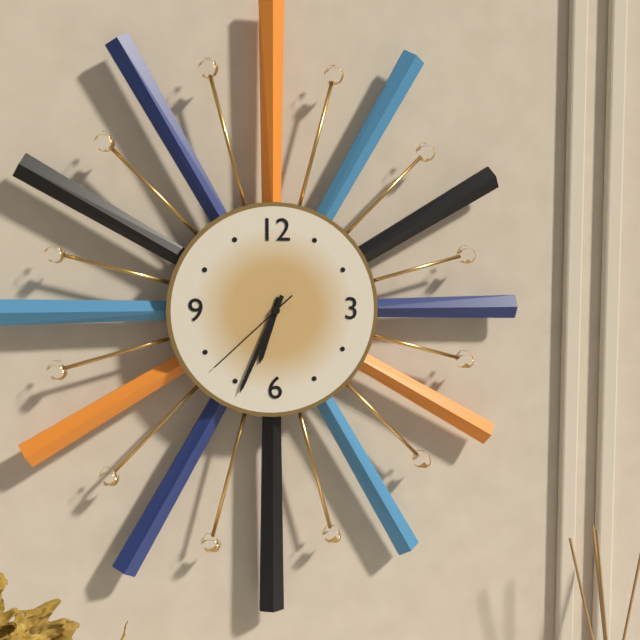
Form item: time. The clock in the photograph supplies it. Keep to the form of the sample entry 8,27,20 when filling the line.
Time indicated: 6,34,38
